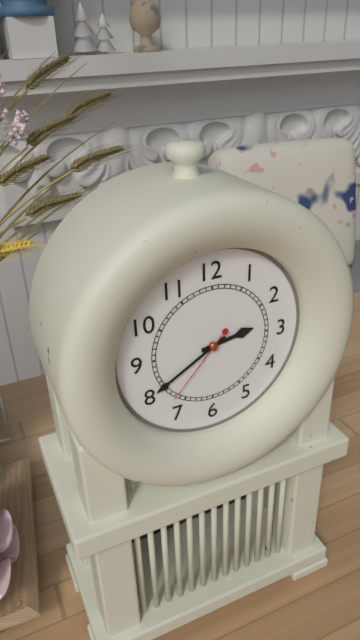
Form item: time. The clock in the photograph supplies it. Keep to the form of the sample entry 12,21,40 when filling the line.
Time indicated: 2,40,37
